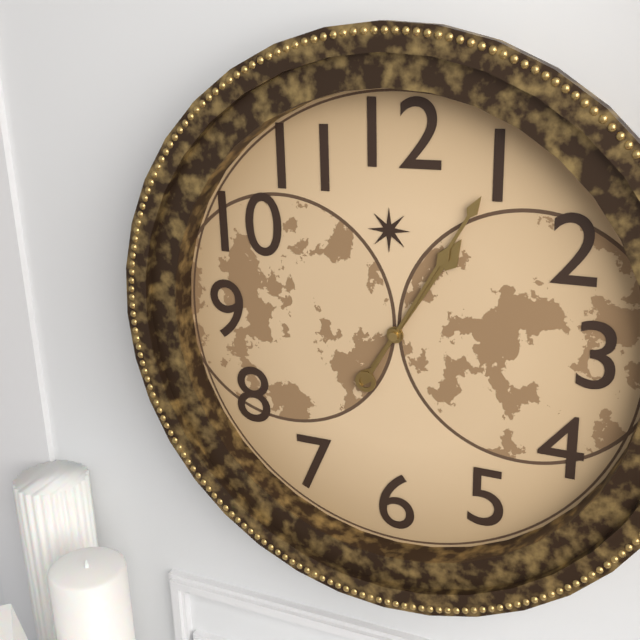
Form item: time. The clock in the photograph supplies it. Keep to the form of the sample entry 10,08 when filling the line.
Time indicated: 1,05
